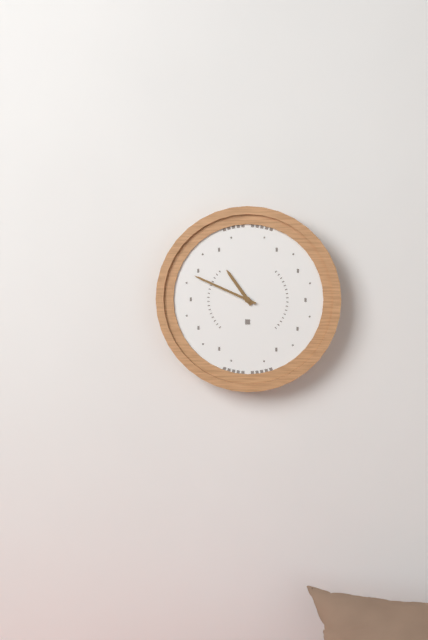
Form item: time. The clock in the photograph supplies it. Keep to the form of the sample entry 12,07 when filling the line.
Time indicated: 10,49
